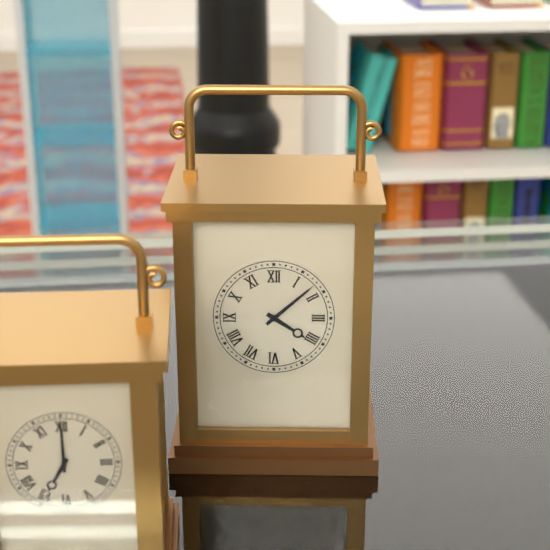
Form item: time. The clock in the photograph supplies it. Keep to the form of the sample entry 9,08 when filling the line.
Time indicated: 4,08
